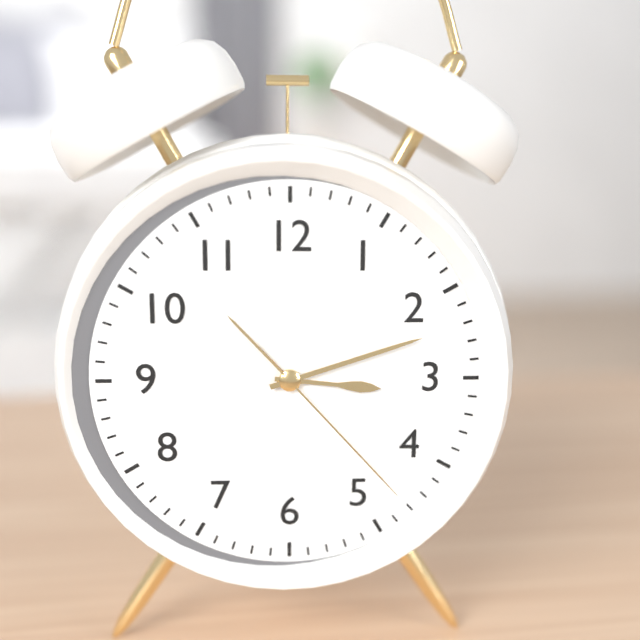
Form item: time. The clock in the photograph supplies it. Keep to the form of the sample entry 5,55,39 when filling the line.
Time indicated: 3,12,23
